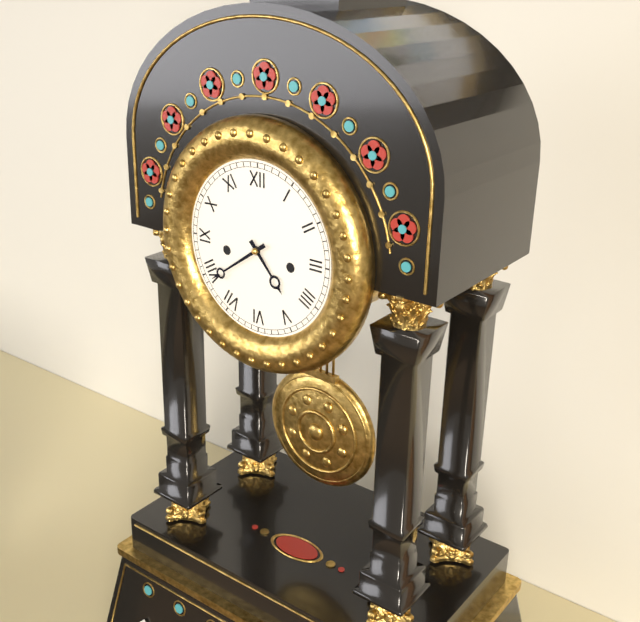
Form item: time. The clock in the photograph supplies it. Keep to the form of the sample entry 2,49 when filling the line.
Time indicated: 4,39
